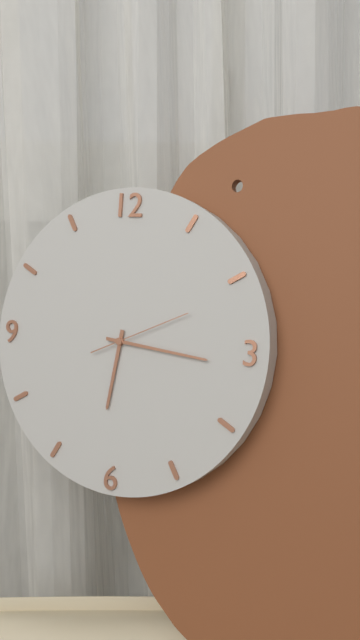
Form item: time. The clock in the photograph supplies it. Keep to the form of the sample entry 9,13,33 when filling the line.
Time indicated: 6,16,11
